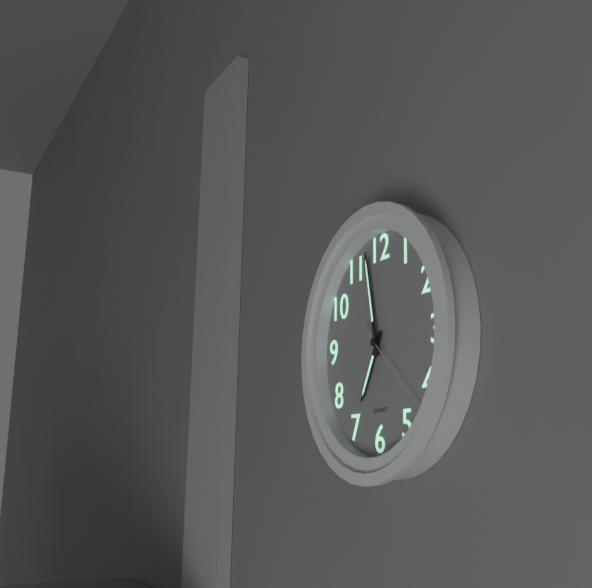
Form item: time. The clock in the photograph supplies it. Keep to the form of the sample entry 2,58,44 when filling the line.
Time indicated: 6,58,22
